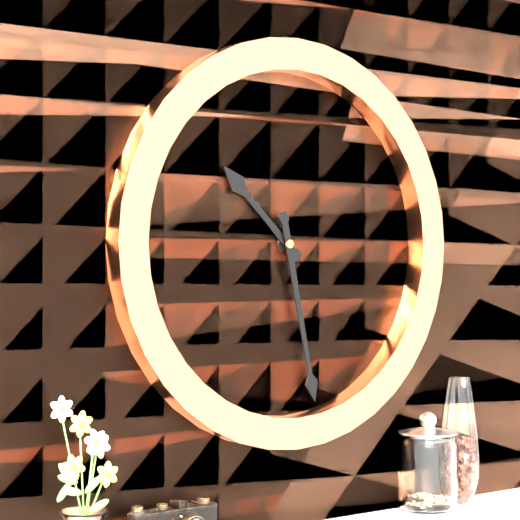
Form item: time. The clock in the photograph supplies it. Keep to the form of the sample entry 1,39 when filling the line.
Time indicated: 10,28
